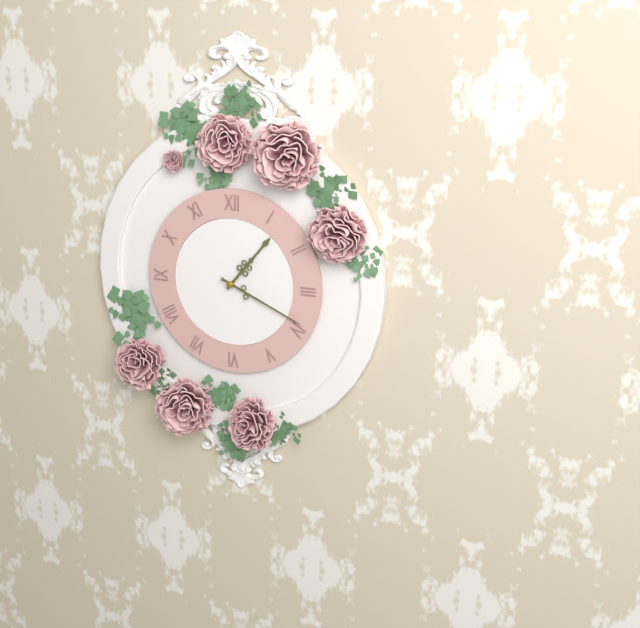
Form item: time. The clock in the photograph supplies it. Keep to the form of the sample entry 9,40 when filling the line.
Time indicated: 1,19
